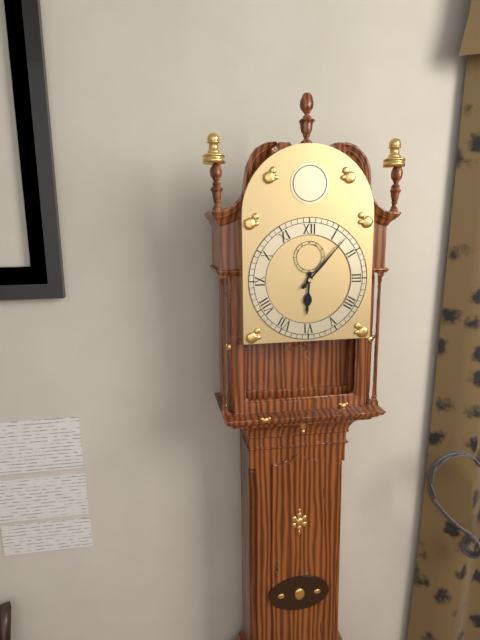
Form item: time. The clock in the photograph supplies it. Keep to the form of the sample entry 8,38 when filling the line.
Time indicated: 6,07
